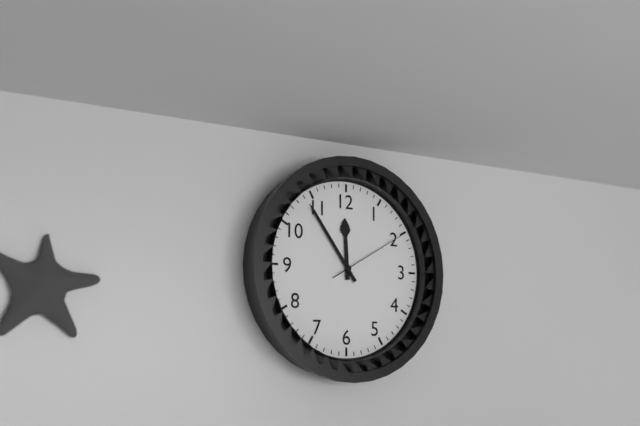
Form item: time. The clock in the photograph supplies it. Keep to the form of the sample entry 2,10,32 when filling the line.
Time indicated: 11,54,10
